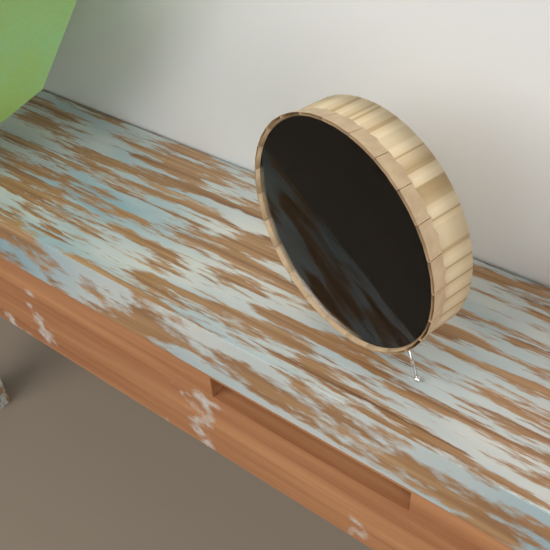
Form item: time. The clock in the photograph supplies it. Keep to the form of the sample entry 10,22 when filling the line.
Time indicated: 9,14
